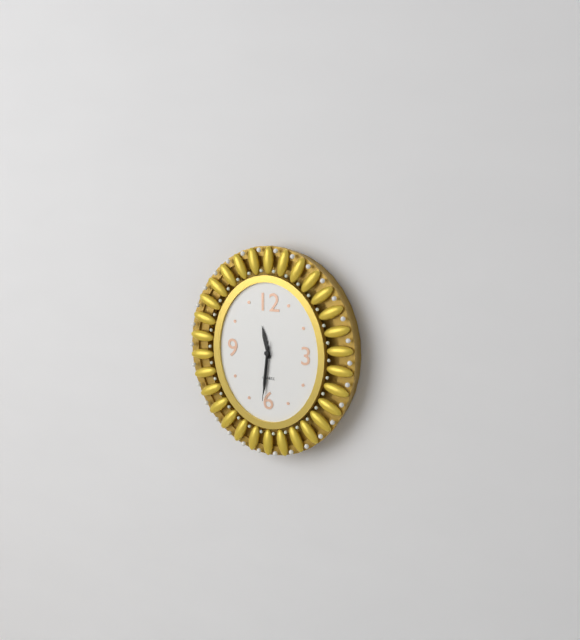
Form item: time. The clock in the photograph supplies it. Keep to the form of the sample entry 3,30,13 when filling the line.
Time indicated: 11,31,31
